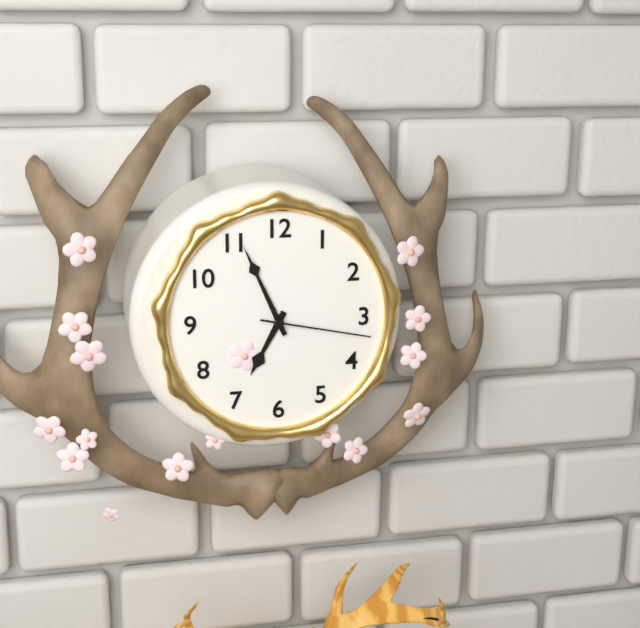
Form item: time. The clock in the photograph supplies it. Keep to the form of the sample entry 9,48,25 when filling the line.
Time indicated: 6,56,17
